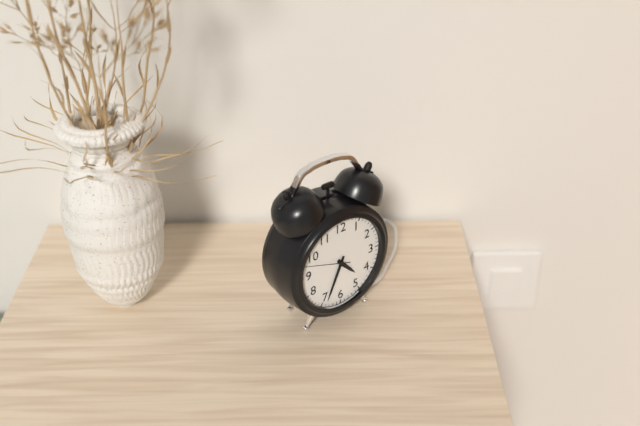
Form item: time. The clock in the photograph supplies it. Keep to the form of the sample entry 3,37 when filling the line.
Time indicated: 4,34
